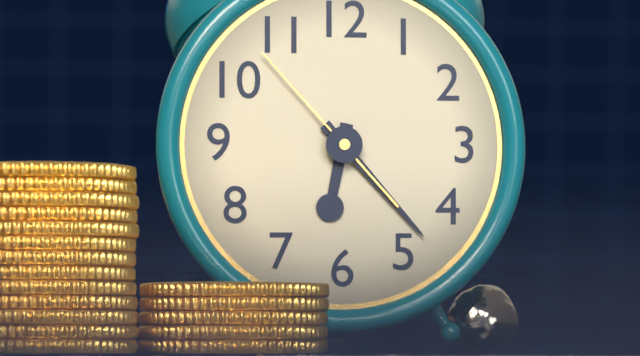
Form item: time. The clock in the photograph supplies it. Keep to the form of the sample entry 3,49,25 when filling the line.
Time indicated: 6,23,53
